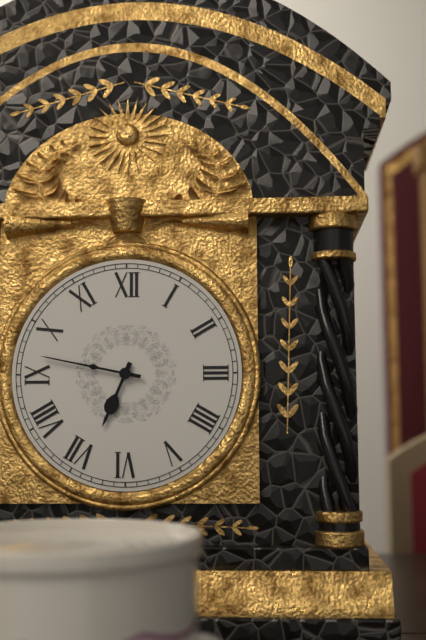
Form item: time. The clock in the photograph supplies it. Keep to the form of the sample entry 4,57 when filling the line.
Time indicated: 6,47
